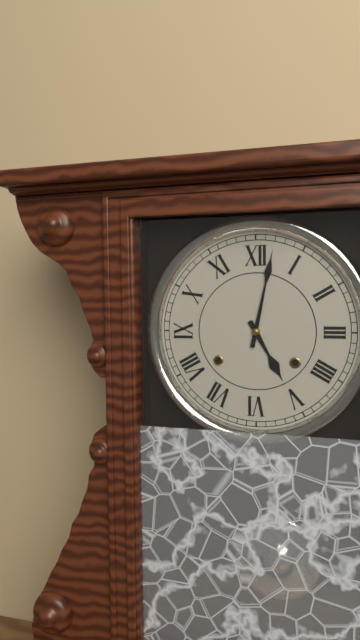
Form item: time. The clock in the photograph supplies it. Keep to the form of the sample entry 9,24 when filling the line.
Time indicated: 5,02
